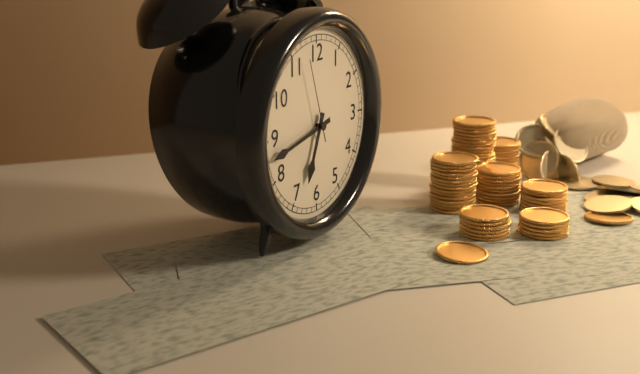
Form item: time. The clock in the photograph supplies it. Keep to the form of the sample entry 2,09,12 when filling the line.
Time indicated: 6,43,57
